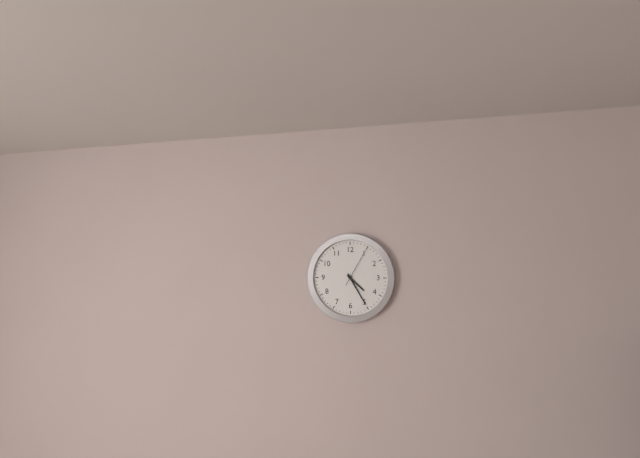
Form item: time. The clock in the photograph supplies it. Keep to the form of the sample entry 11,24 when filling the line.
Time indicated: 4,25
